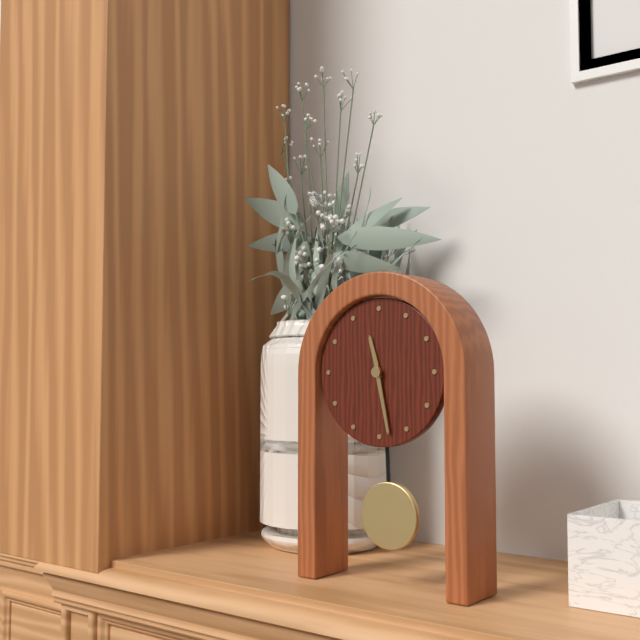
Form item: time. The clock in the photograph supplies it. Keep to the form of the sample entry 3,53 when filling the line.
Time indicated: 11,28
